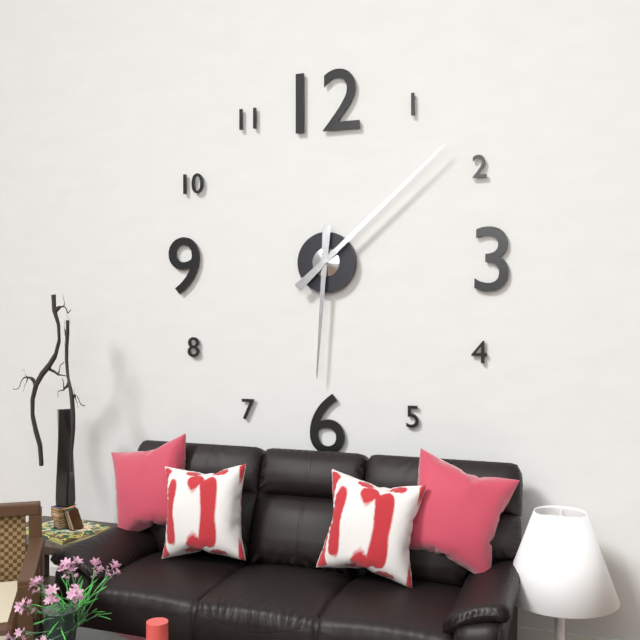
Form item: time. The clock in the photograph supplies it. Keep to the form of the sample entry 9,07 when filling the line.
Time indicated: 6,08
